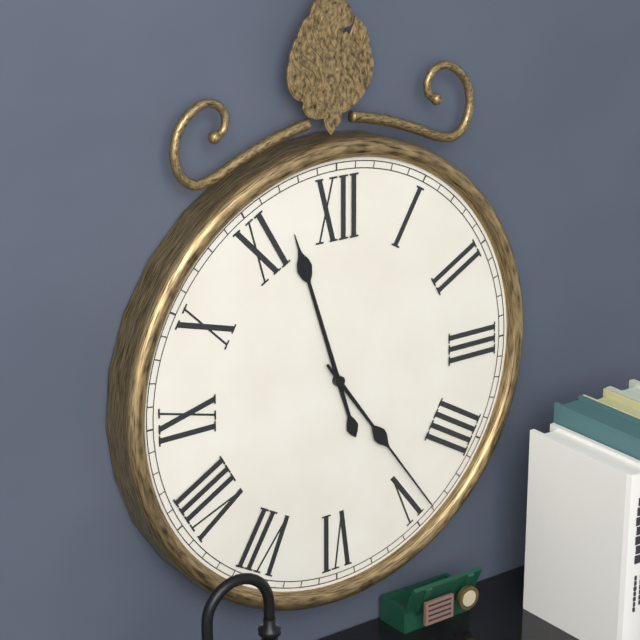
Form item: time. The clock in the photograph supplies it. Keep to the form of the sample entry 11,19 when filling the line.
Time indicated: 11,24
